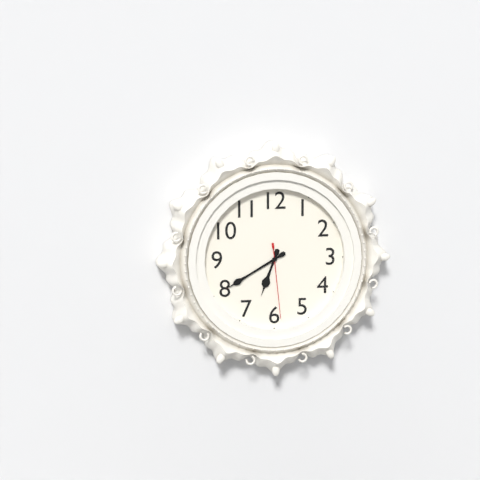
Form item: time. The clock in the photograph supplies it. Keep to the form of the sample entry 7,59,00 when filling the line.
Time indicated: 6,40,29
